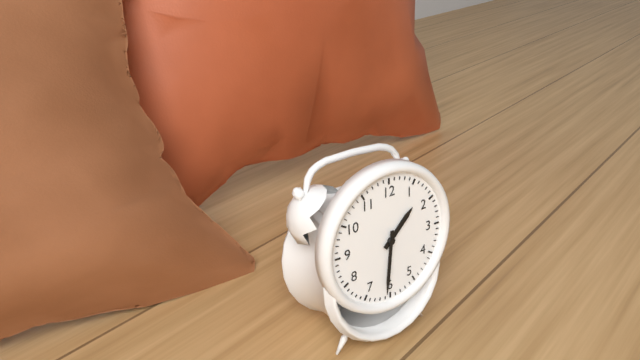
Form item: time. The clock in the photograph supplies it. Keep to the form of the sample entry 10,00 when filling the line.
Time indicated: 1,31
